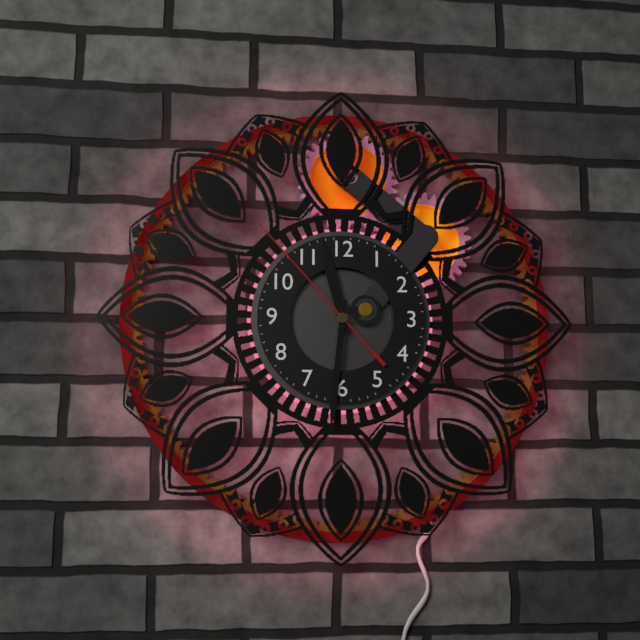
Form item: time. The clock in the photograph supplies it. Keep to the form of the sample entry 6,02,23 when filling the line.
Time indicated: 11,31,53
